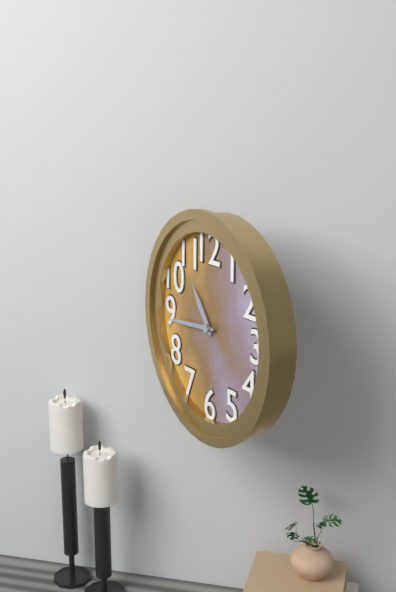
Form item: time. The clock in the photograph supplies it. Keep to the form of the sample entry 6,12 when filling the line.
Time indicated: 10,44
